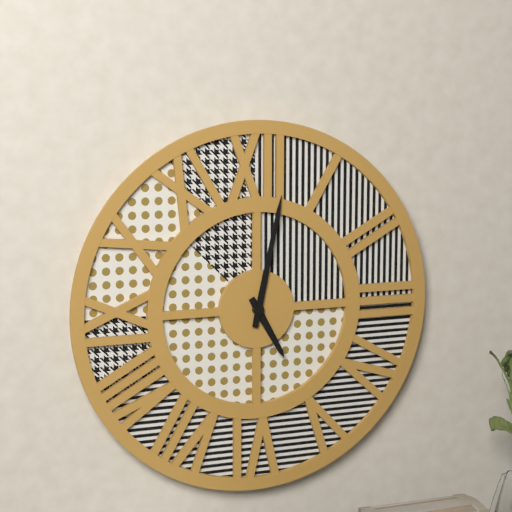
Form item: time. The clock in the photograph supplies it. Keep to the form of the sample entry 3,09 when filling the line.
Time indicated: 5,02
